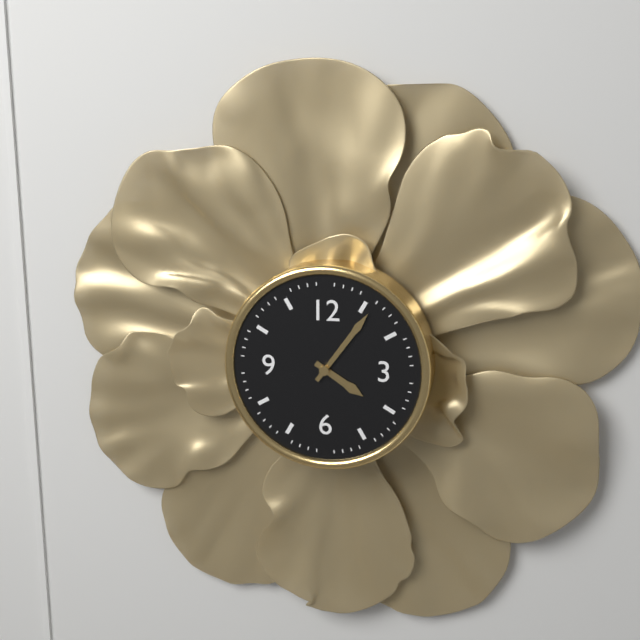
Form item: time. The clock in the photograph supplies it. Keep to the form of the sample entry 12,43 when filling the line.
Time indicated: 4,06
